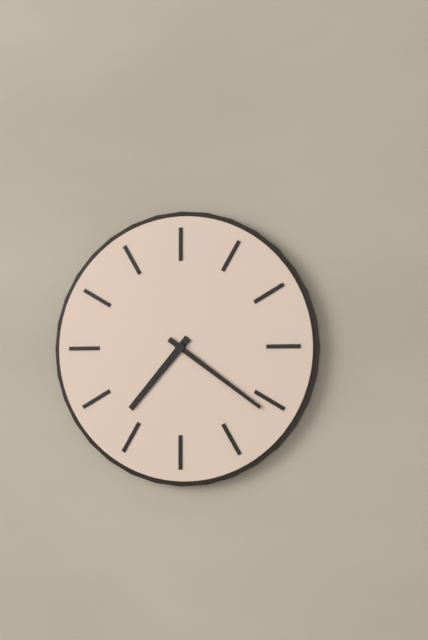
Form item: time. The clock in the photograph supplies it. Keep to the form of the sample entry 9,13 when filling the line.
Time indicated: 7,21
